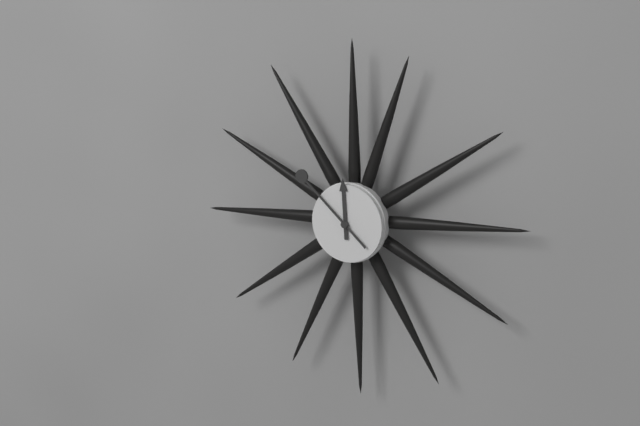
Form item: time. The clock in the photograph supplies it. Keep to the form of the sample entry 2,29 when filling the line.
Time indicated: 11,52
